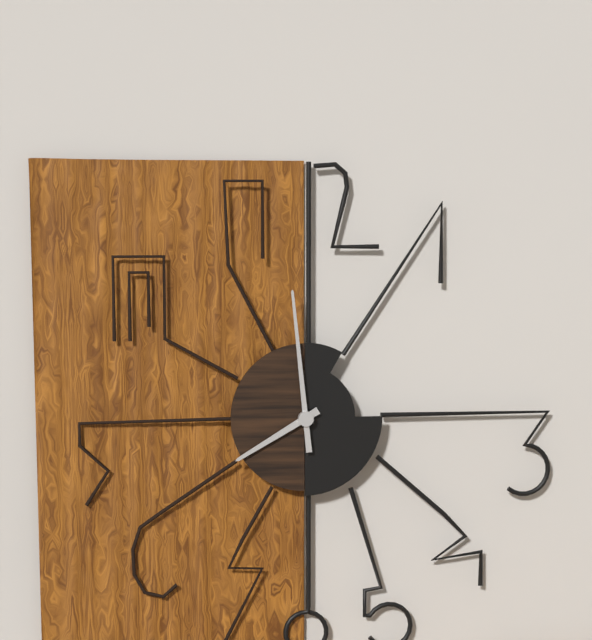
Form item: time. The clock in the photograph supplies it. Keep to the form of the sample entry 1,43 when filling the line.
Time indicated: 7,59
